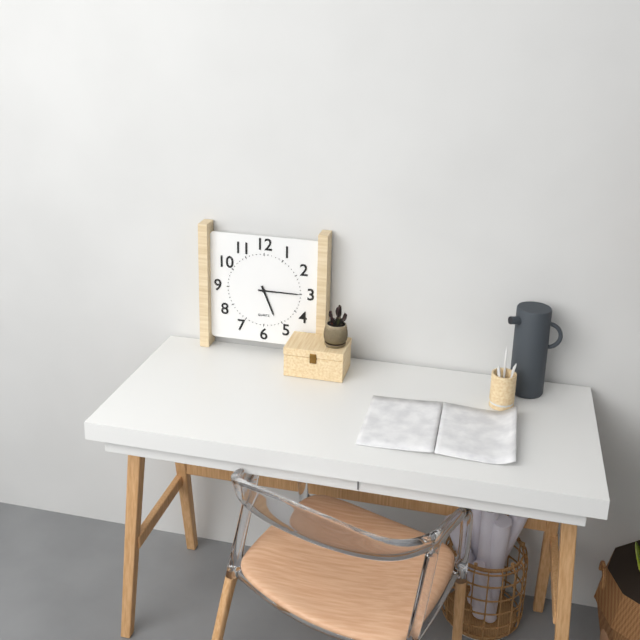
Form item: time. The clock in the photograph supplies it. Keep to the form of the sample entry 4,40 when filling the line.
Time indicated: 5,15
